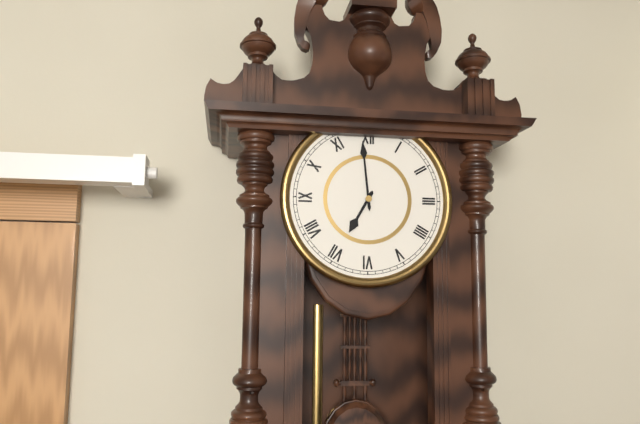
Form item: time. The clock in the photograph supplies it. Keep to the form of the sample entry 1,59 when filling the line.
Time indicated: 6,59
